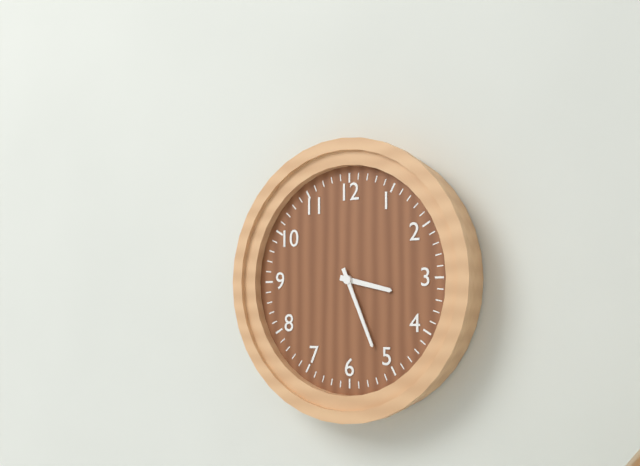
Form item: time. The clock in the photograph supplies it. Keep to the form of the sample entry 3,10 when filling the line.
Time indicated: 3,26
